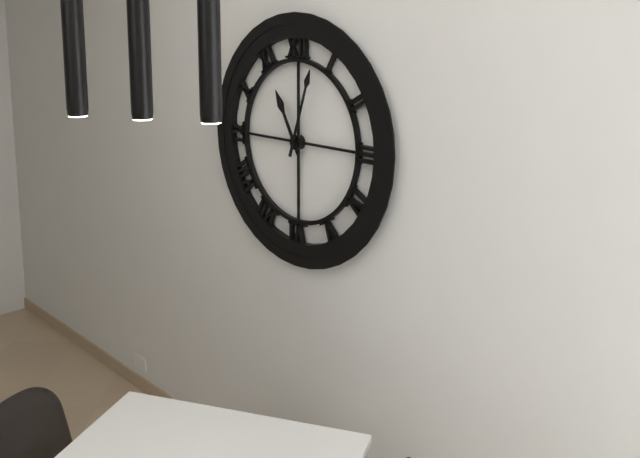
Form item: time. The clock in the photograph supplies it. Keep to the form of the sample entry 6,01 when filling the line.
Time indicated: 11,03
